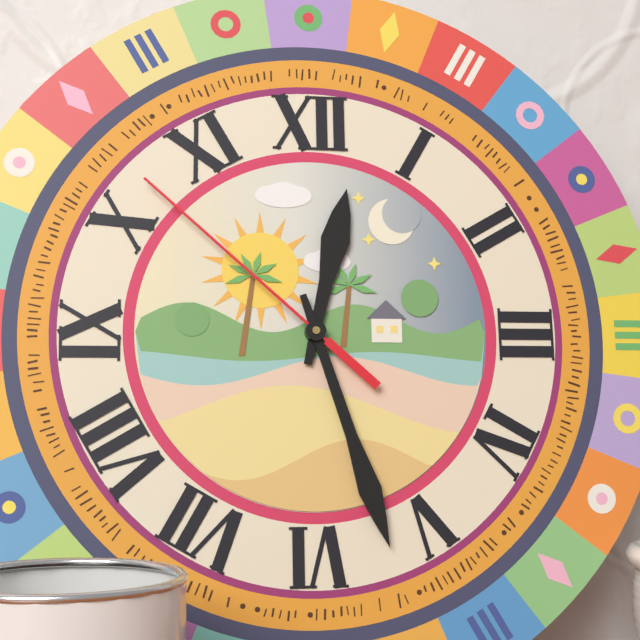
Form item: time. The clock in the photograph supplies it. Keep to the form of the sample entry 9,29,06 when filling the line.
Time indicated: 12,27,52
